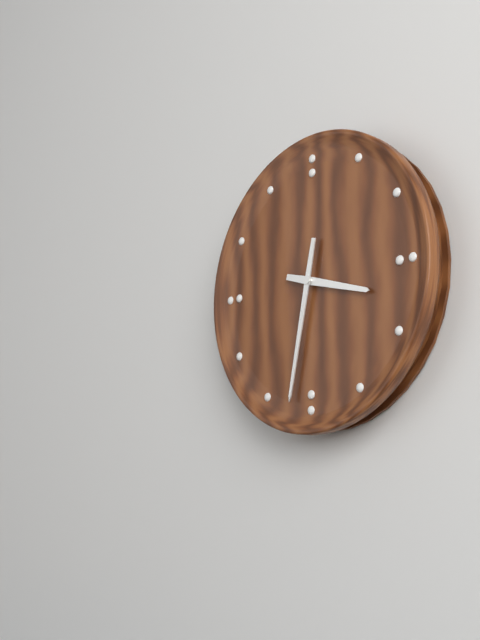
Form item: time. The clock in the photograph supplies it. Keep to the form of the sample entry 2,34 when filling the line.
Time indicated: 3,32
